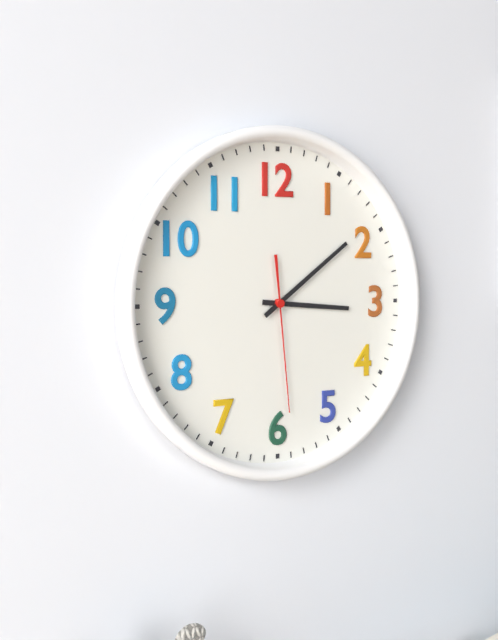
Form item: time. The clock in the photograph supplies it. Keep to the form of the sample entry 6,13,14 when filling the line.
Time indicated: 3,09,29
